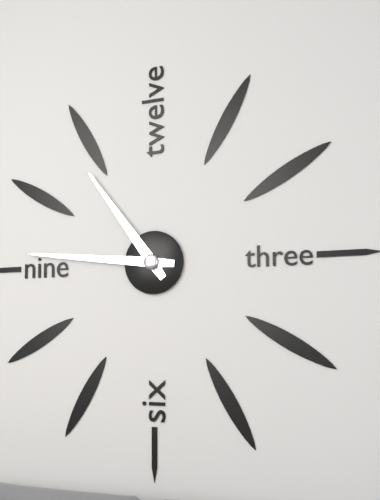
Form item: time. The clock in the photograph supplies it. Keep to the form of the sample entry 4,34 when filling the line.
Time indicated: 10,46
